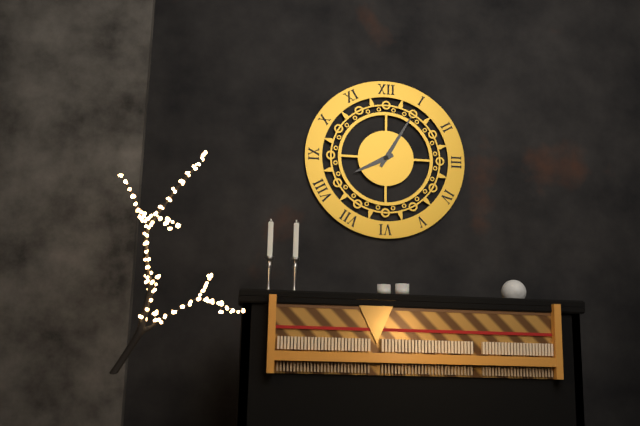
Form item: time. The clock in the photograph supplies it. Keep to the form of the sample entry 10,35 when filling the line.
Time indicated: 8,05
